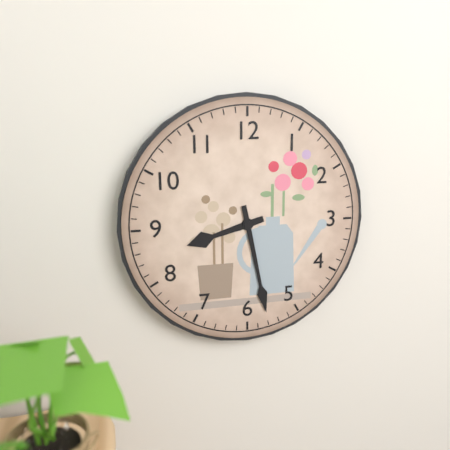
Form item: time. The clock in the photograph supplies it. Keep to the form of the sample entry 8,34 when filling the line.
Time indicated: 8,28
